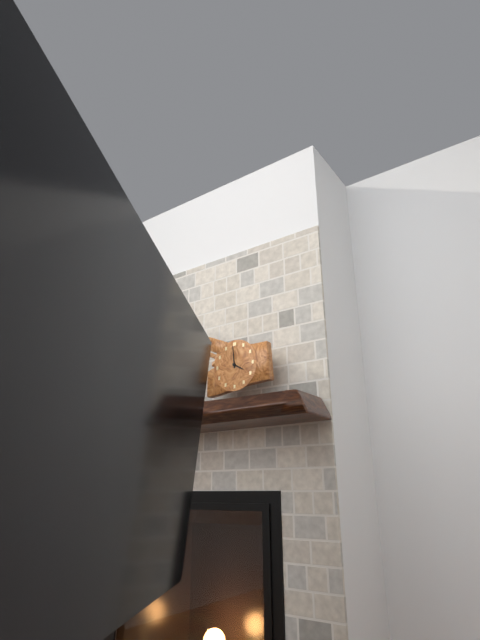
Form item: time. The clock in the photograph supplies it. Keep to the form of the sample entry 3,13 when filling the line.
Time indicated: 3,59
